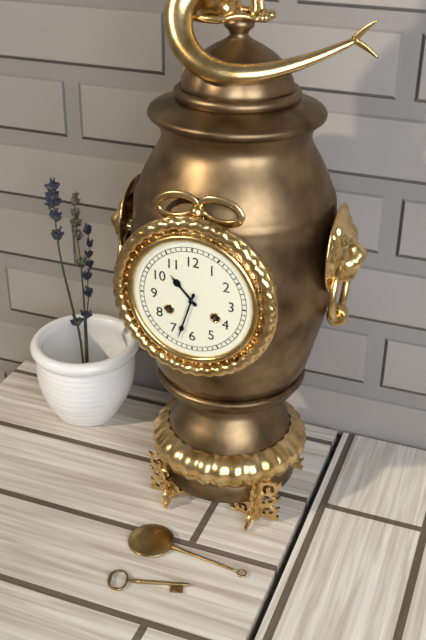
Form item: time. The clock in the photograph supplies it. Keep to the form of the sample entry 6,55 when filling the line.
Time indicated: 10,33
